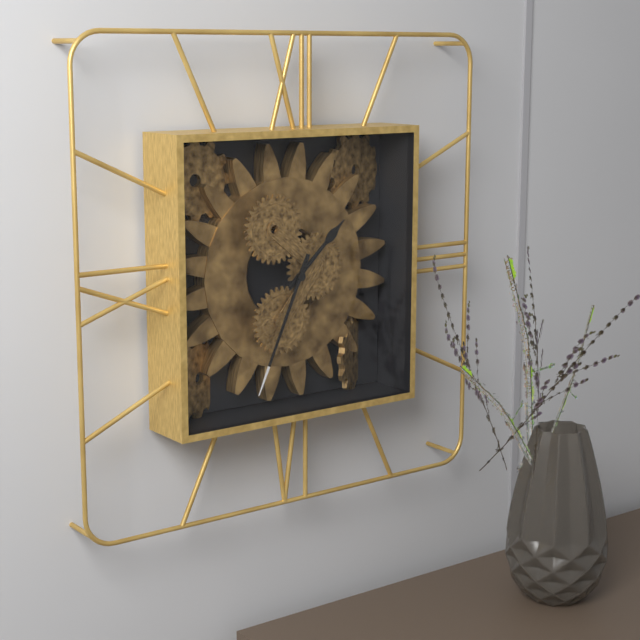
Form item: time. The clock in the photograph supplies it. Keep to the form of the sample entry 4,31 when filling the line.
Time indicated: 1,34
